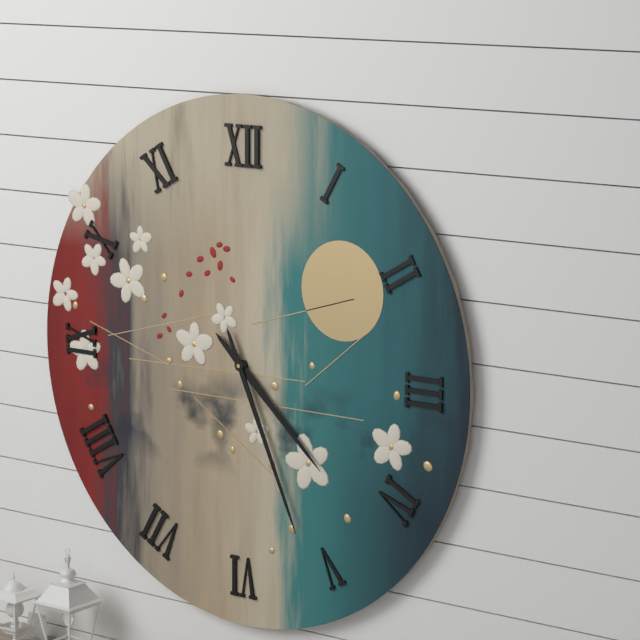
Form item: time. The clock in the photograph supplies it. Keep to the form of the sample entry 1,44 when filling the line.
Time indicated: 4,26
